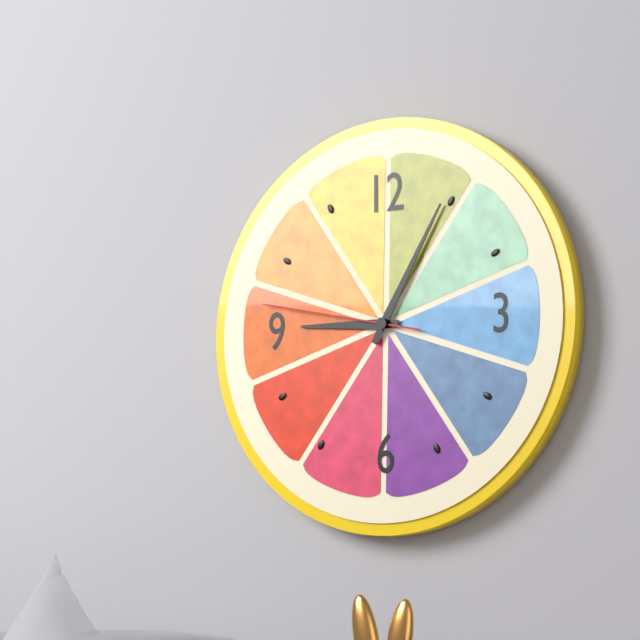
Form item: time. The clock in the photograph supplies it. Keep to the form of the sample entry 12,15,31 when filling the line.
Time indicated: 9,05,47
